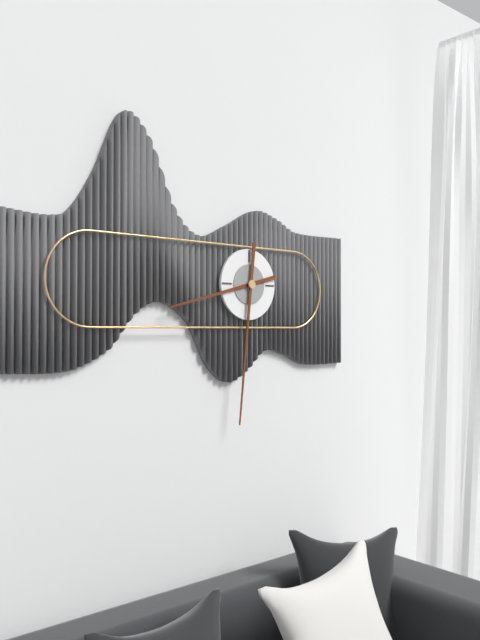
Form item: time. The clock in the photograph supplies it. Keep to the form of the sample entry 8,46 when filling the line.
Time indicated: 8,31
